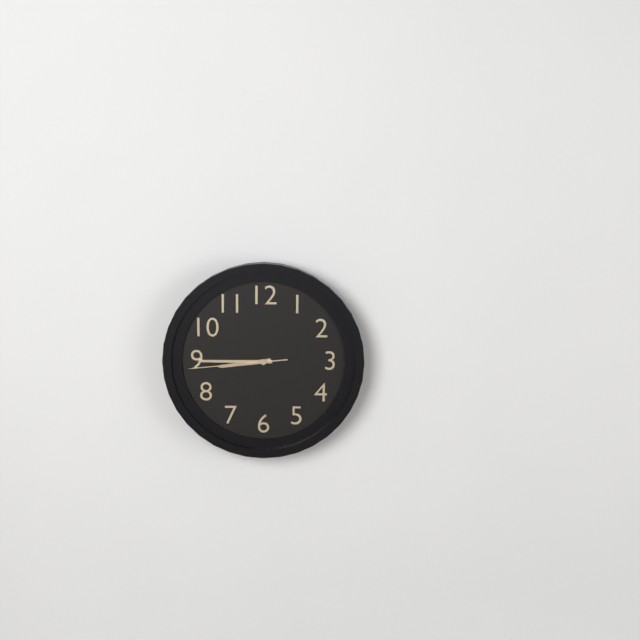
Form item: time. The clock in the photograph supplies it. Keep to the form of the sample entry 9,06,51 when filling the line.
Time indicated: 8,45,44
